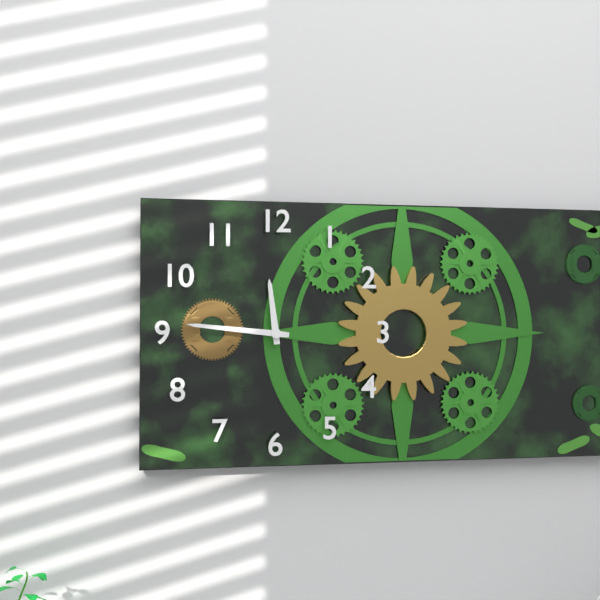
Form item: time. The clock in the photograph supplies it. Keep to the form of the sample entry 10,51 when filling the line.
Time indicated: 11,46
